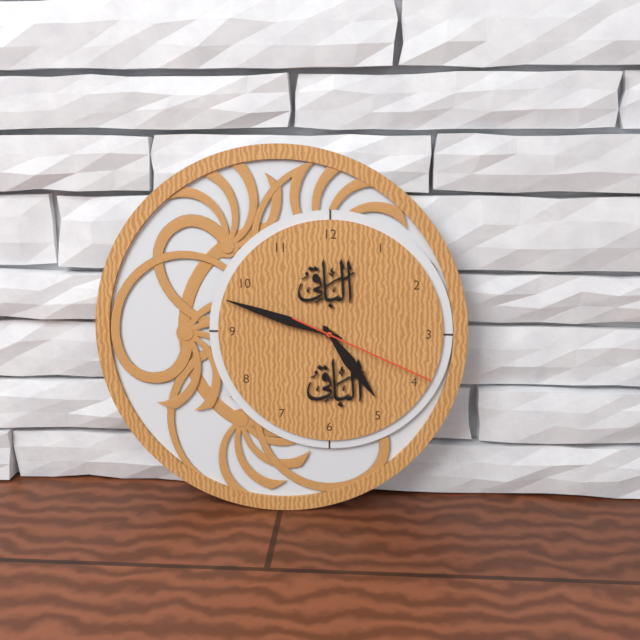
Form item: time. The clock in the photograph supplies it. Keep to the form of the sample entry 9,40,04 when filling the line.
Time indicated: 4,48,19
